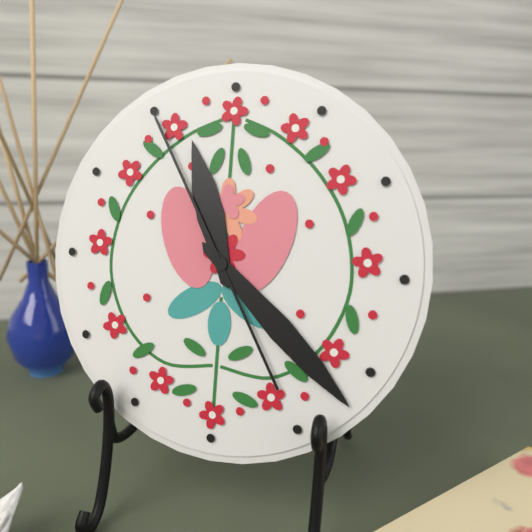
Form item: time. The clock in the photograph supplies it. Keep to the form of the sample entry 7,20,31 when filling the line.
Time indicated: 11,22,55
